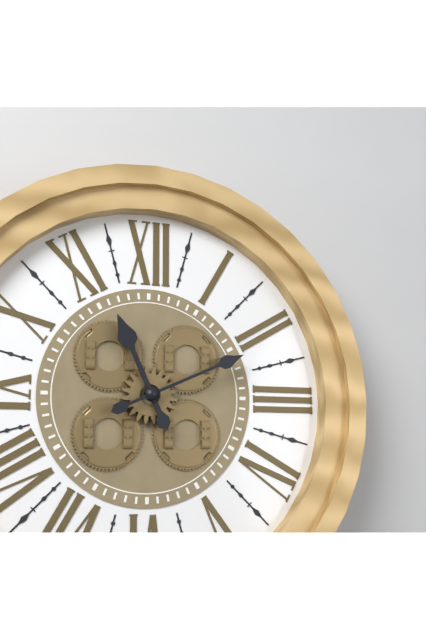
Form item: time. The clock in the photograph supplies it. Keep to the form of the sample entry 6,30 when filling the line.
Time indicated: 11,11
